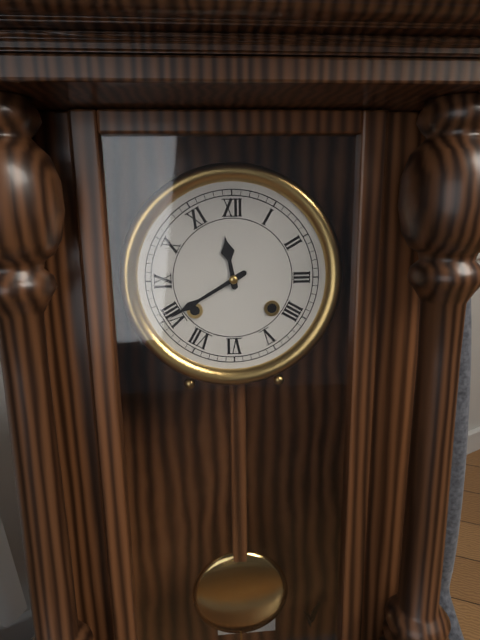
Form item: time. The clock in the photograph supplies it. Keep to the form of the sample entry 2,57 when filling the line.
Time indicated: 11,40
